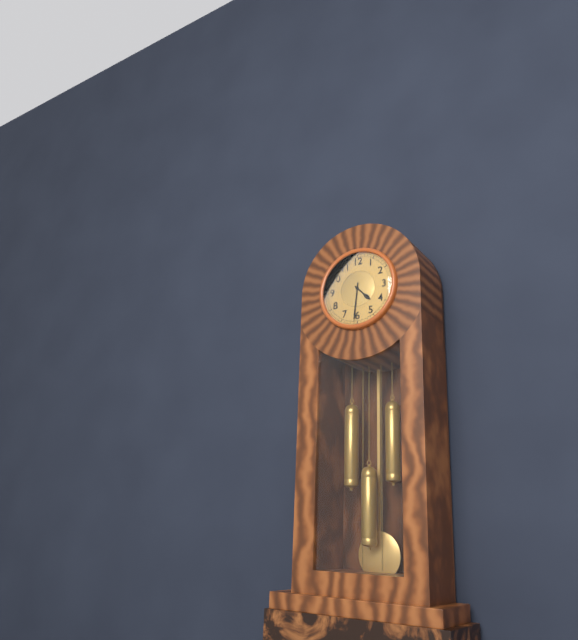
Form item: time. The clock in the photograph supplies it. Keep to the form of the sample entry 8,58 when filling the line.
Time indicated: 4,31
